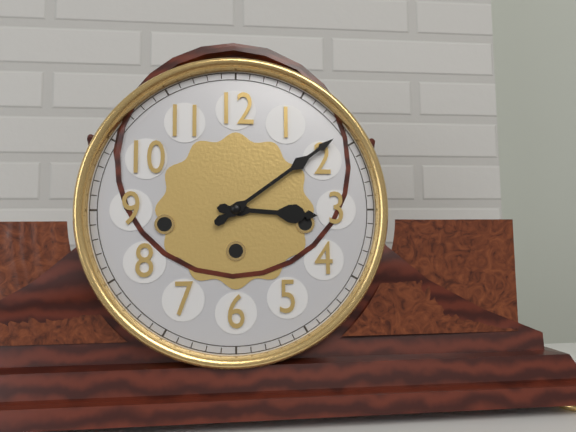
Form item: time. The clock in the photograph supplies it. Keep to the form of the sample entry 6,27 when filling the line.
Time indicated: 3,09
